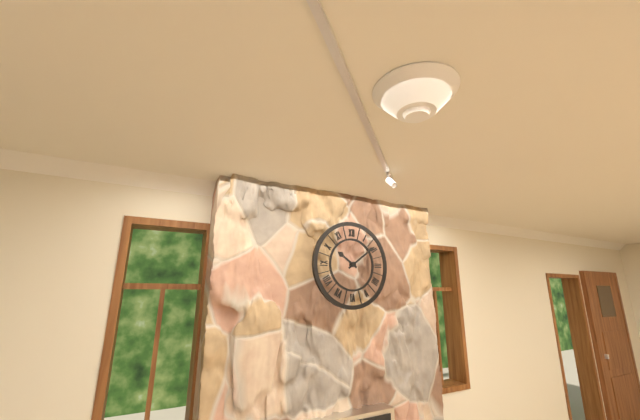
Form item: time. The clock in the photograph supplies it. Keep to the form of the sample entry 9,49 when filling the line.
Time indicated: 10,09
